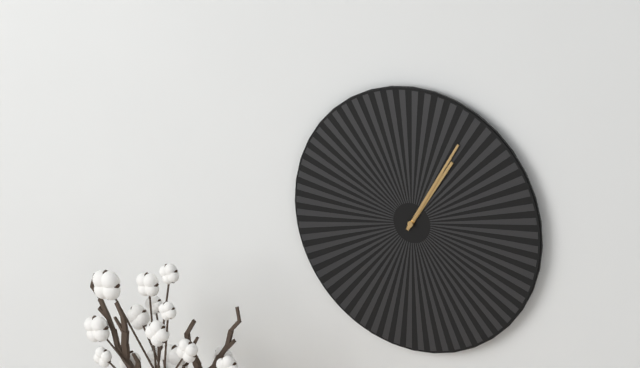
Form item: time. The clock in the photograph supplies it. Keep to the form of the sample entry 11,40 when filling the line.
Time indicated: 1,05
